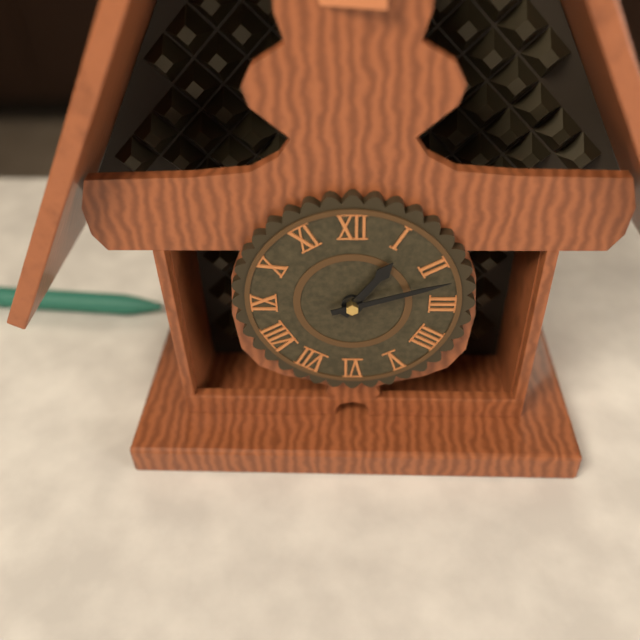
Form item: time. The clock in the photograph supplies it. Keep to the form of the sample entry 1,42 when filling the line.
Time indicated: 1,12
